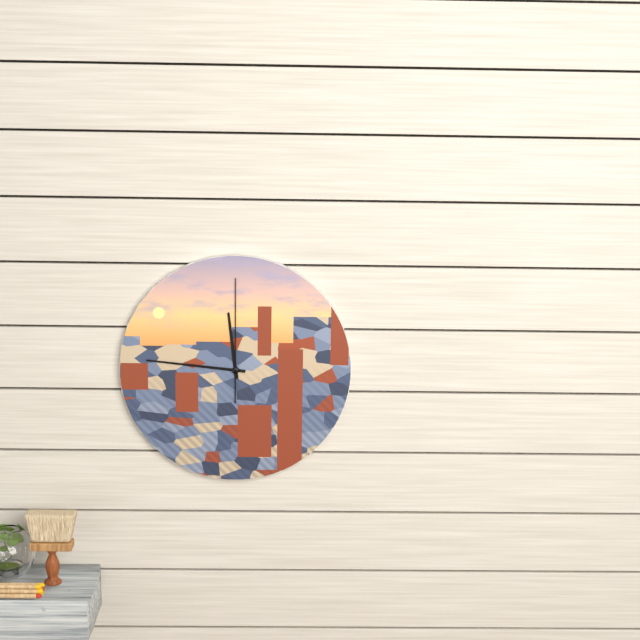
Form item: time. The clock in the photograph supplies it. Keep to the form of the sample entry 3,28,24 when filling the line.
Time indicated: 11,46,00
